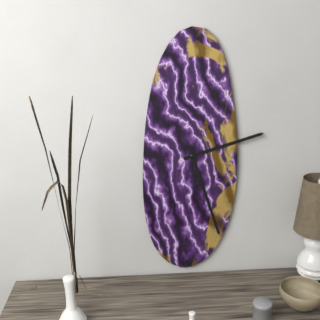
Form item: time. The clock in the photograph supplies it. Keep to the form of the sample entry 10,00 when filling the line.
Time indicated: 2,27
